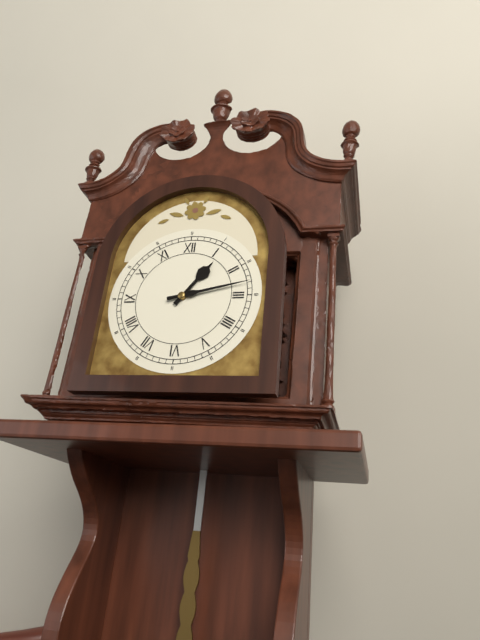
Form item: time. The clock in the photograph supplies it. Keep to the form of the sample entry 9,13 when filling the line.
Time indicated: 1,13
